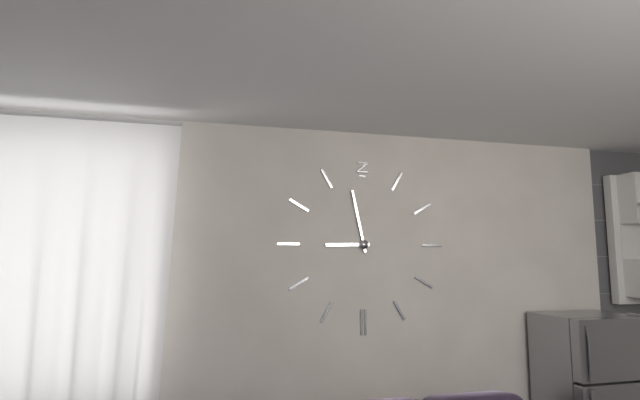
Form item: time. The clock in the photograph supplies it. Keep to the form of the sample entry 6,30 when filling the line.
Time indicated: 8,58
